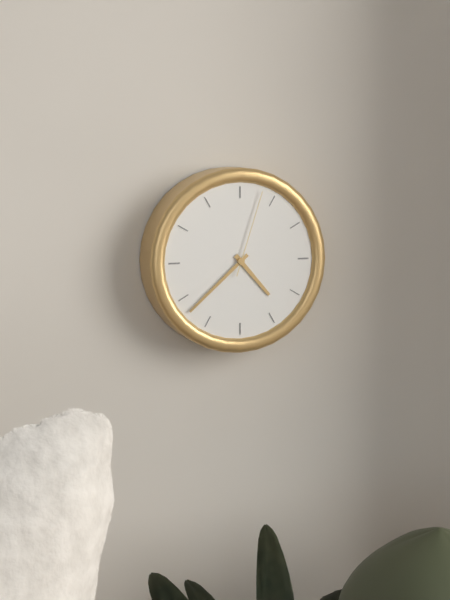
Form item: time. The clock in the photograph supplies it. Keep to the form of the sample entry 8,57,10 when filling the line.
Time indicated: 4,38,03
